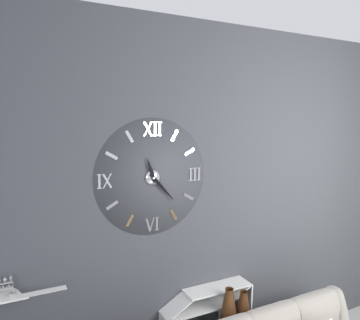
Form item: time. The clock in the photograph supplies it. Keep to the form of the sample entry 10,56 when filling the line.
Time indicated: 11,23
